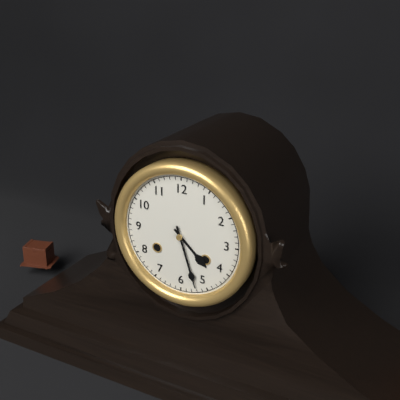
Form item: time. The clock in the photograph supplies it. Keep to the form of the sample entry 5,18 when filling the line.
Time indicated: 4,27
